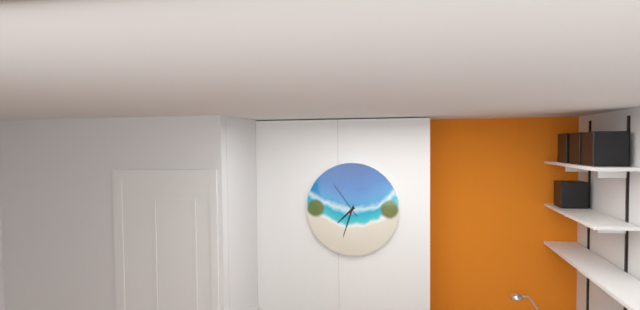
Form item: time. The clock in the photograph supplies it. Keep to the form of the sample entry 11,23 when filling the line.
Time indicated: 7,33
